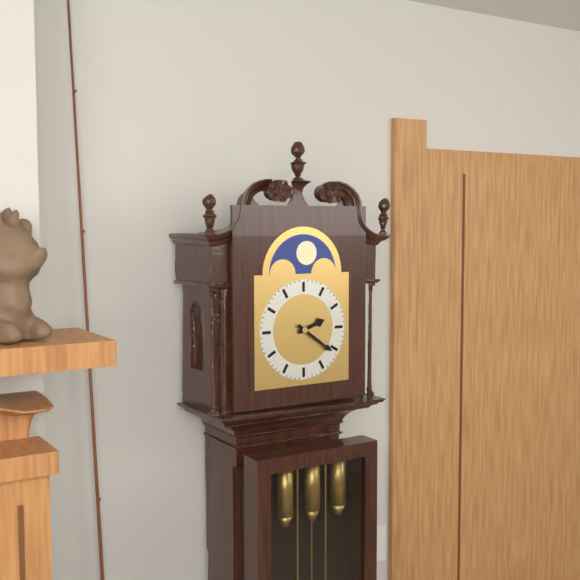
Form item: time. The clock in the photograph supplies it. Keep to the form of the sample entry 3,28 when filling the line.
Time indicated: 2,21
